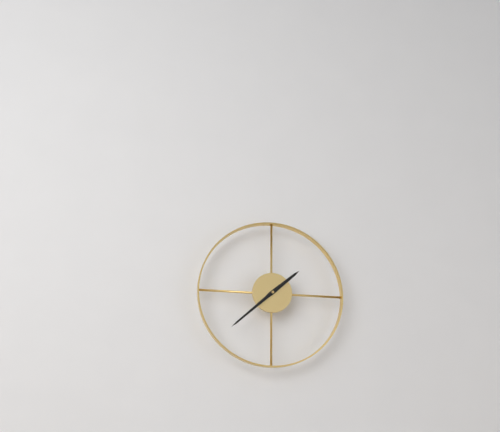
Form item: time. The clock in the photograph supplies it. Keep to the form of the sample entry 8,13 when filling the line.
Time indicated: 1,38
